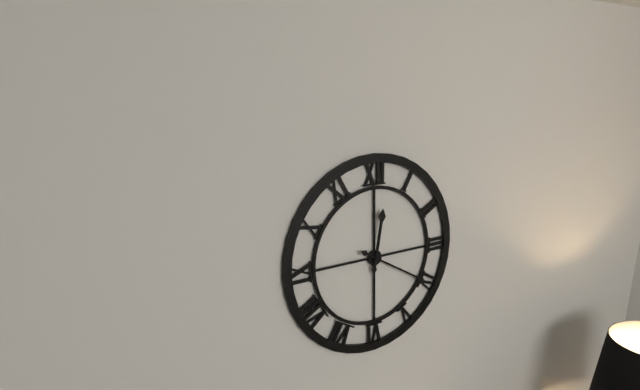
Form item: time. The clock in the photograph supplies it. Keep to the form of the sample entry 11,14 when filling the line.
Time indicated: 12,20
